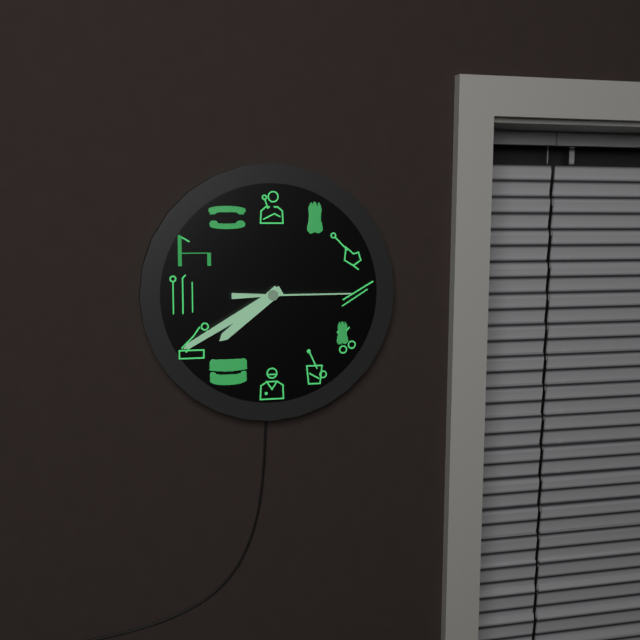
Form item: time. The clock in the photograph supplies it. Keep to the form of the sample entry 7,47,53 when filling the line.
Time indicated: 7,40,15
